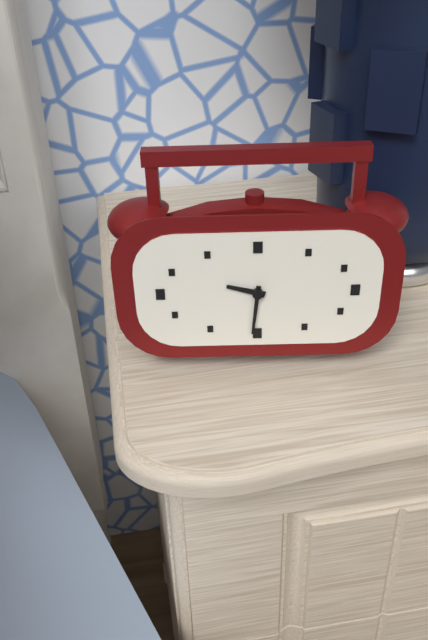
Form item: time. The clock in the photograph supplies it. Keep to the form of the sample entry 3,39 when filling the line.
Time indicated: 9,31
